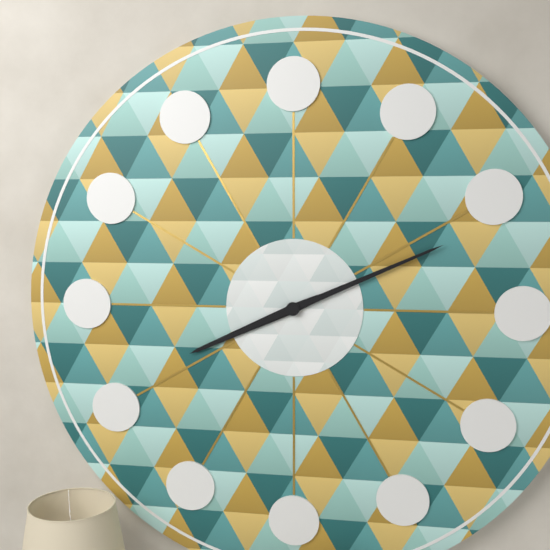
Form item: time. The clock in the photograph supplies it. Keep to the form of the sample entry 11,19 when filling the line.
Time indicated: 8,11
